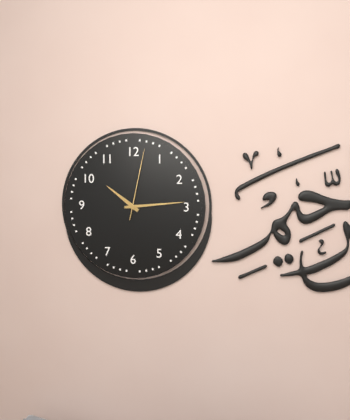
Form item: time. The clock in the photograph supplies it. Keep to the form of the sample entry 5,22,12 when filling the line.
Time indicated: 10,14,02
